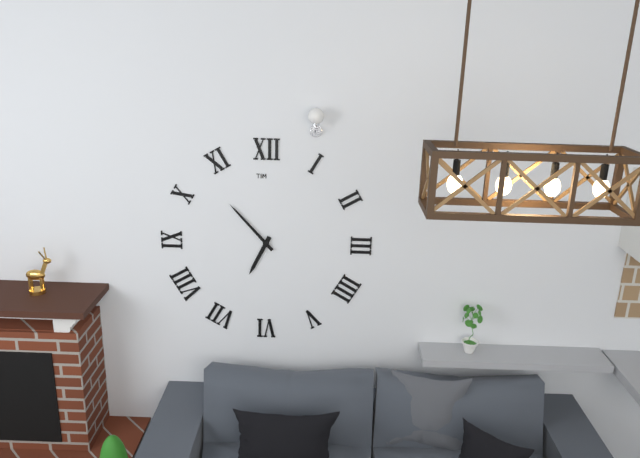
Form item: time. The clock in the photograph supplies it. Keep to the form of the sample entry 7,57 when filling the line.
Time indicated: 6,53
